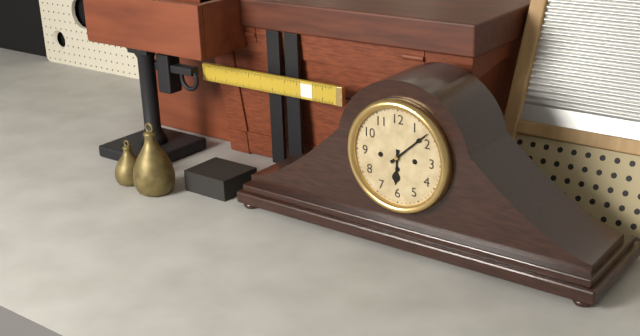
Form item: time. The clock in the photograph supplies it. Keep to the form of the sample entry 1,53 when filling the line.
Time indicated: 6,08
